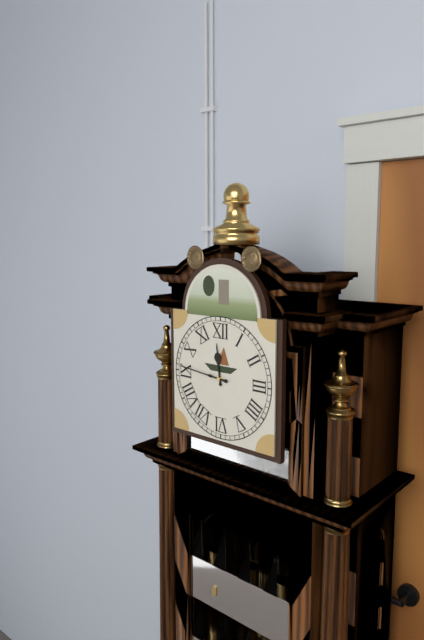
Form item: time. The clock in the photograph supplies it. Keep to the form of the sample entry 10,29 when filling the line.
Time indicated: 11,46
